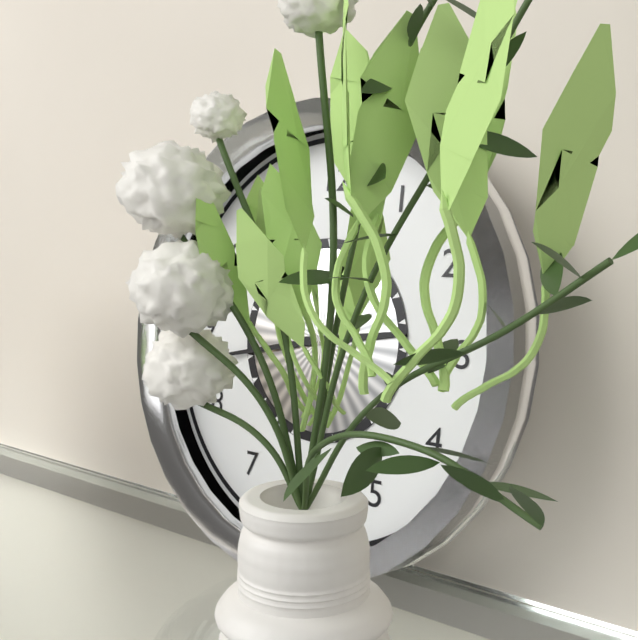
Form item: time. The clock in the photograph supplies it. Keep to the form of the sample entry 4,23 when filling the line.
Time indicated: 2,43
